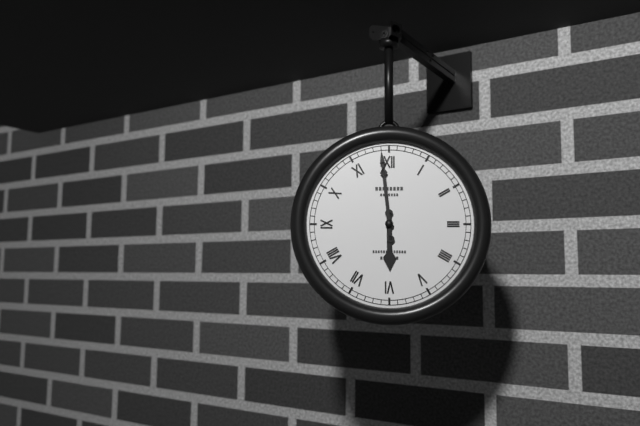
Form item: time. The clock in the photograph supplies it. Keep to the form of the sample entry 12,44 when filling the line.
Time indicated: 5,59
